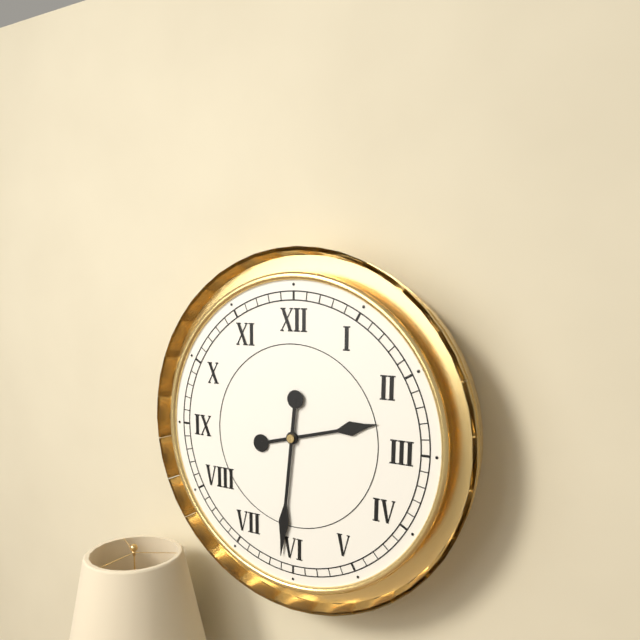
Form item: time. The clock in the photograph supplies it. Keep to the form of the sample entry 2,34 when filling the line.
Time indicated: 2,31
